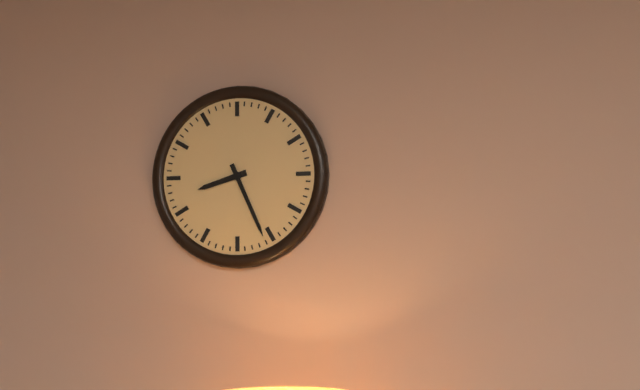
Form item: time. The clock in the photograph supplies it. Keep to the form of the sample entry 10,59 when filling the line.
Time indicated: 8,26
